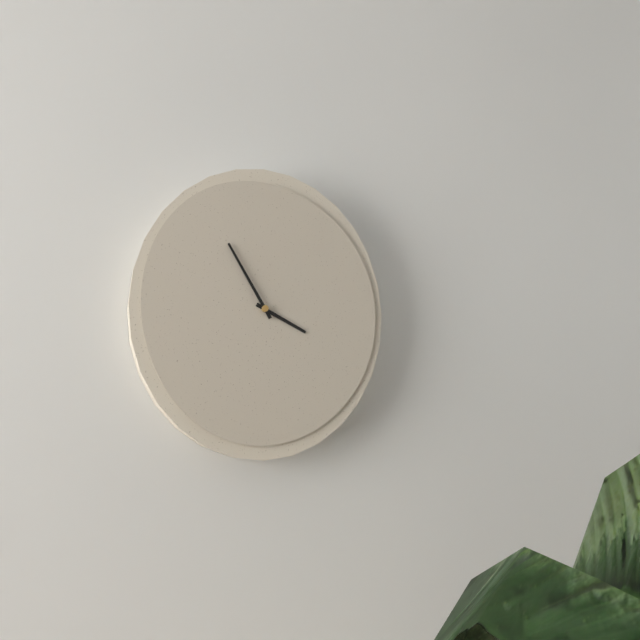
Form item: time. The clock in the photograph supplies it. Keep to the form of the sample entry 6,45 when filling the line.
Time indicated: 3,55
